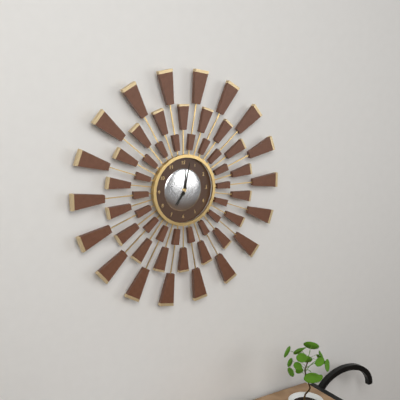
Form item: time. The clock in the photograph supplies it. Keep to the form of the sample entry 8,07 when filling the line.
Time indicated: 7,02
